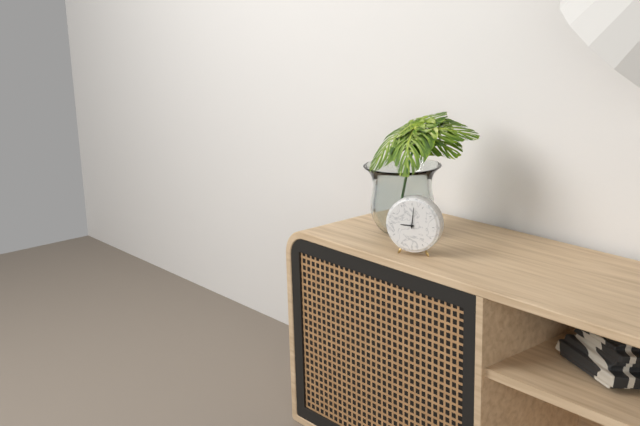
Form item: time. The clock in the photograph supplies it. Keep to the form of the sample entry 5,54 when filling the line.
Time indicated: 9,01
